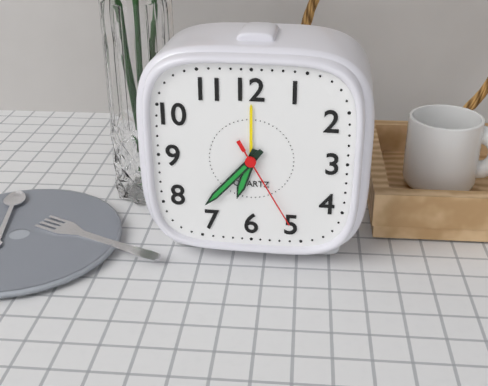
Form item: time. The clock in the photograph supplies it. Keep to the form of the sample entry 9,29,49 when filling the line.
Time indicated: 6,37,25
